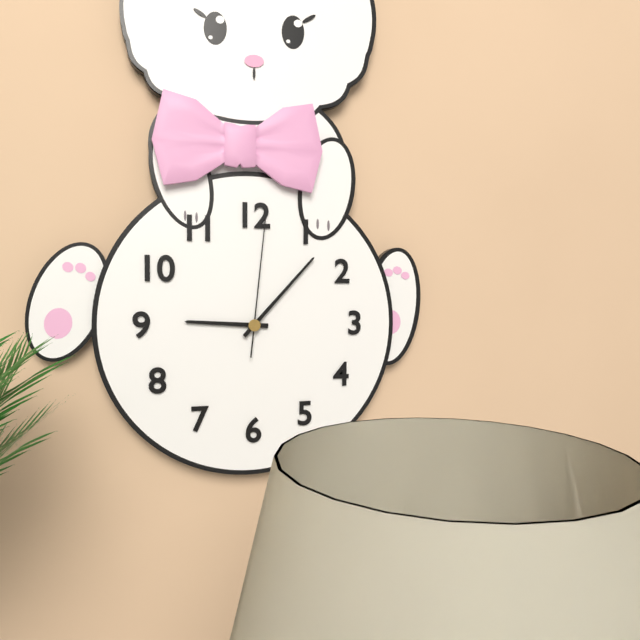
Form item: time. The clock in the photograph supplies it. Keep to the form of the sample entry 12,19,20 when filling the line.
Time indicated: 9,07,01
